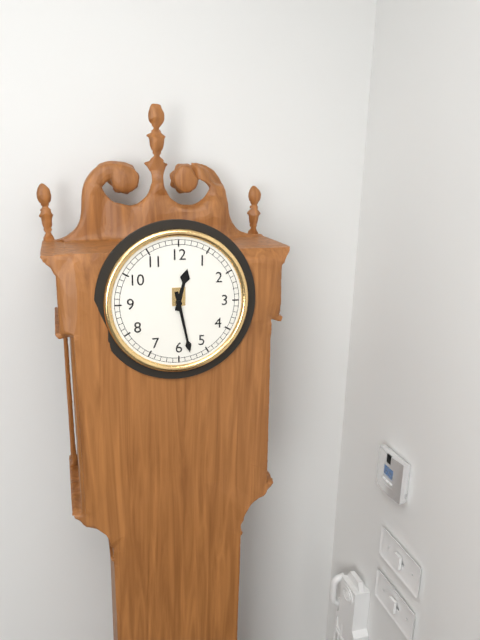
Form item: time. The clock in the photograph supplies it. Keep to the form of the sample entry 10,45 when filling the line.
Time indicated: 12,28
